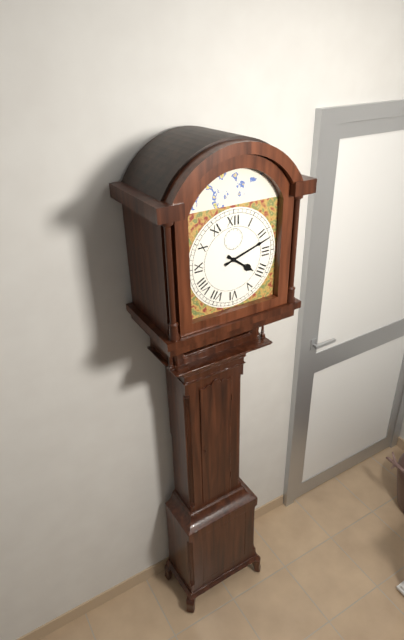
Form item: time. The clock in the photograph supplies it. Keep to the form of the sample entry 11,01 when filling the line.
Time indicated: 4,12
